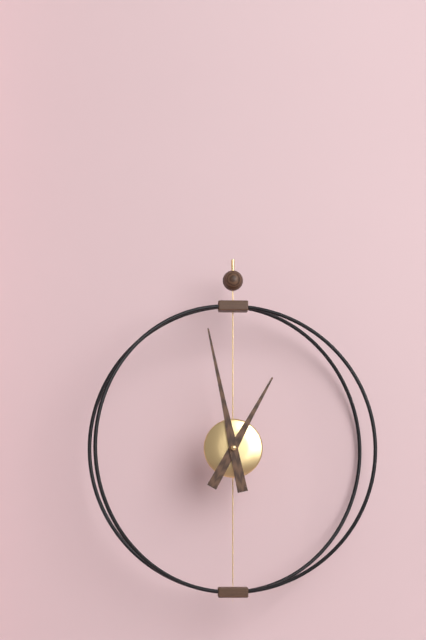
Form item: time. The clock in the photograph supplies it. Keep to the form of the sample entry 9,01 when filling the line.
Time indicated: 12,58
